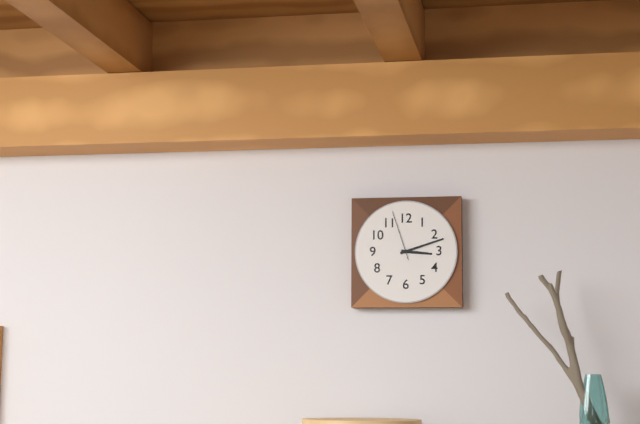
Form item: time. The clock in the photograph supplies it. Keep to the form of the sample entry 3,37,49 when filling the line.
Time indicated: 3,12,57
